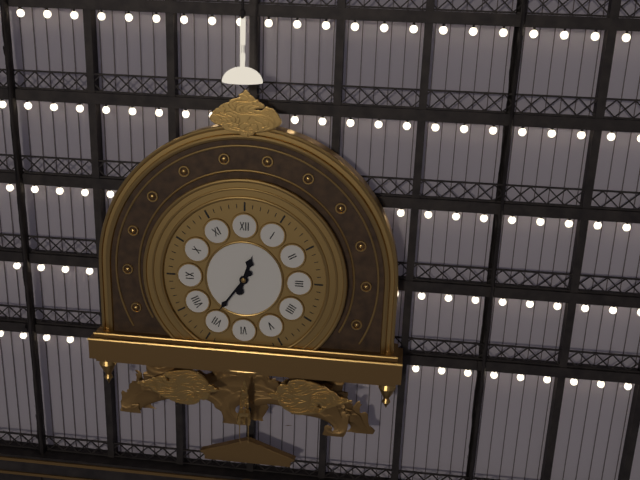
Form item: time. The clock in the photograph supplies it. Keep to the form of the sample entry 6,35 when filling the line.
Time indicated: 12,36
